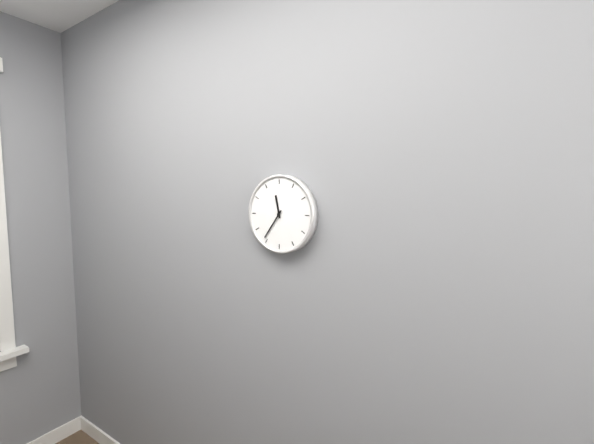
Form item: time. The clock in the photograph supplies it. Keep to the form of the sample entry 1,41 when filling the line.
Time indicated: 11,36
